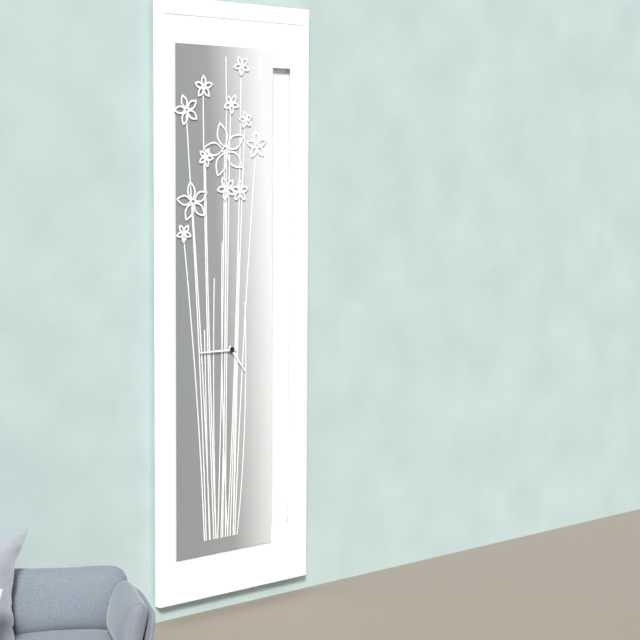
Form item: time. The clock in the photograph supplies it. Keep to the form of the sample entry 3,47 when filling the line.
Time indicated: 4,45
